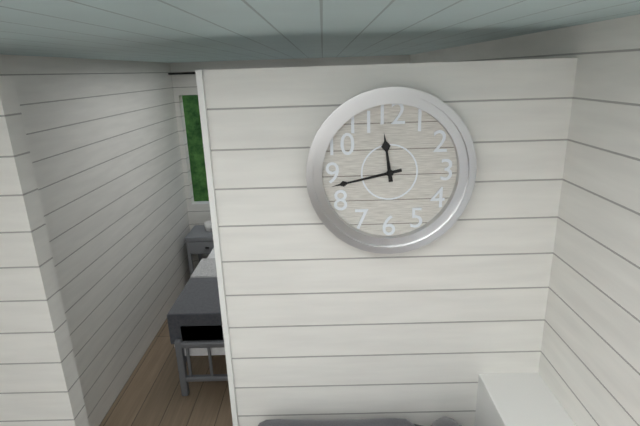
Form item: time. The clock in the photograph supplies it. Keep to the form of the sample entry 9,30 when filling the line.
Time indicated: 11,43
